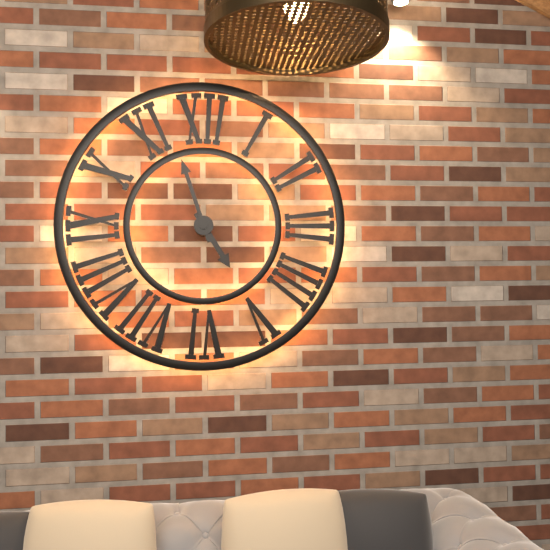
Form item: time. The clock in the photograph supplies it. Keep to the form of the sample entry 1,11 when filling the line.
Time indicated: 4,57
